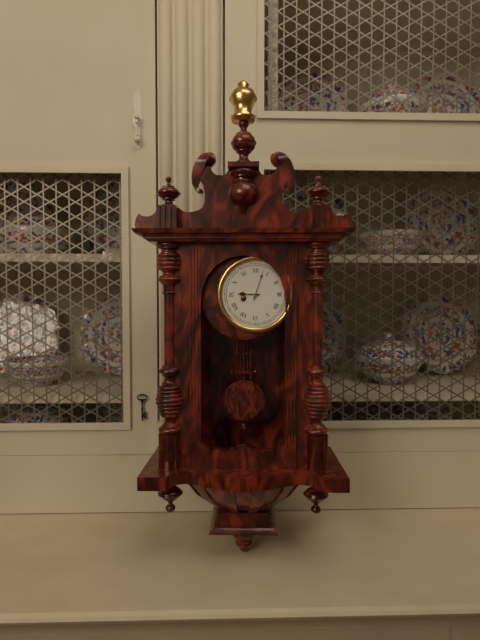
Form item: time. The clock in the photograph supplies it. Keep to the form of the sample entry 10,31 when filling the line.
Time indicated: 9,03
